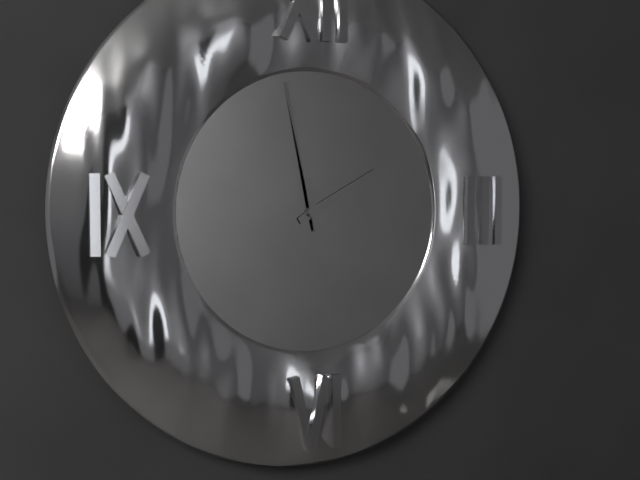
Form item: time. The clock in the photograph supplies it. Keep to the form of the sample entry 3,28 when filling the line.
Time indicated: 1,58
